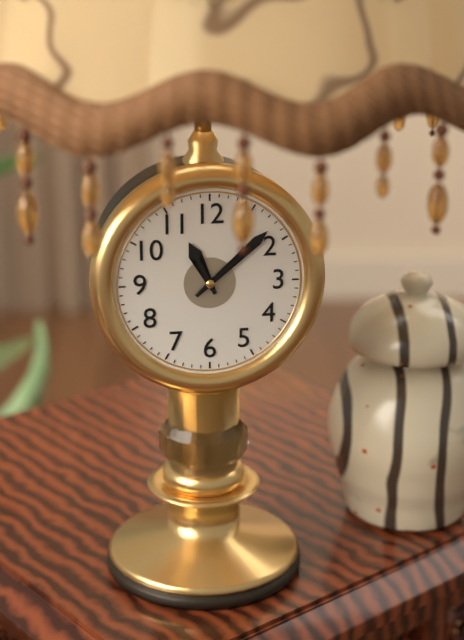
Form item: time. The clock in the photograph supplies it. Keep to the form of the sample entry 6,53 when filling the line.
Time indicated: 11,08
